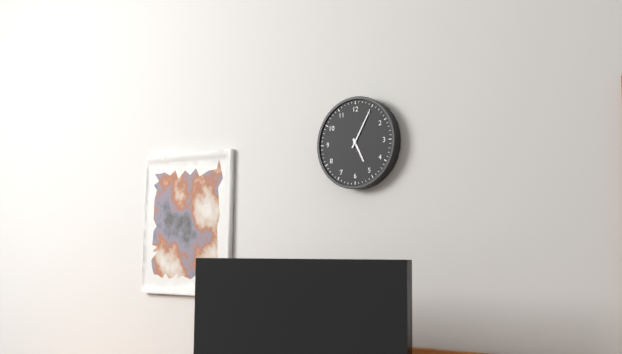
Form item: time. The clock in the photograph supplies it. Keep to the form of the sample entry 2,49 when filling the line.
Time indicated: 5,05
